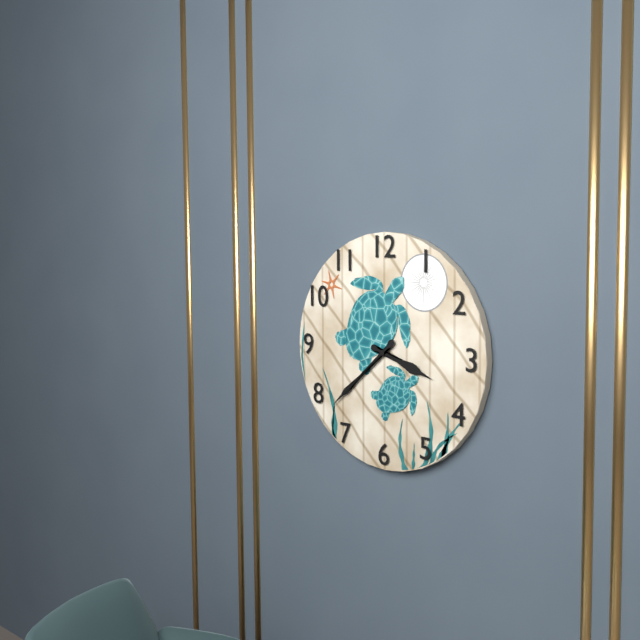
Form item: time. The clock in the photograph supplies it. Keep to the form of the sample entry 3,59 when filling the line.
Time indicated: 3,38
